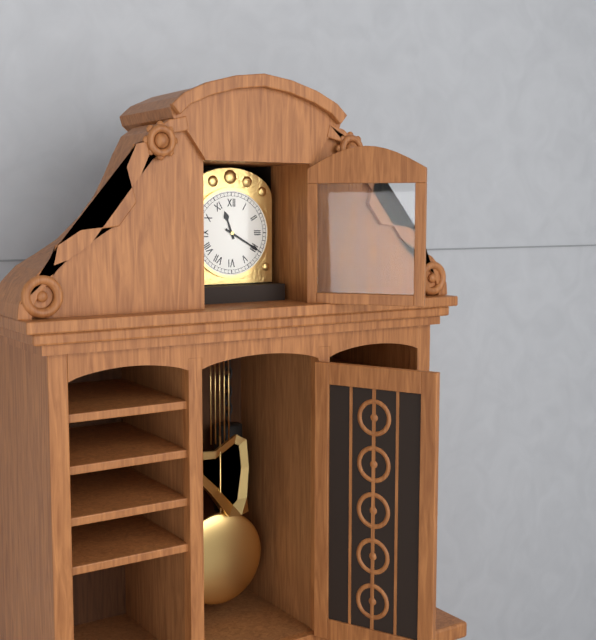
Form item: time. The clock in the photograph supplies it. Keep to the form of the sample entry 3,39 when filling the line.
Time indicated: 11,20
